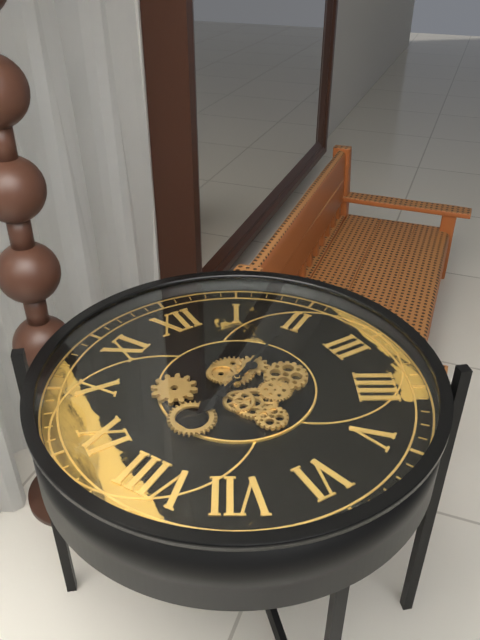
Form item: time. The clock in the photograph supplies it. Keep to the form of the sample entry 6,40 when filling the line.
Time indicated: 8,10
